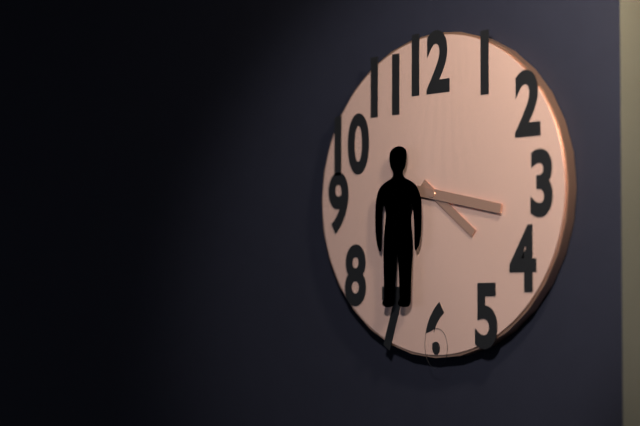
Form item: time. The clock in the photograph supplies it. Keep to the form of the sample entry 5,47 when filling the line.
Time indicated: 4,17
